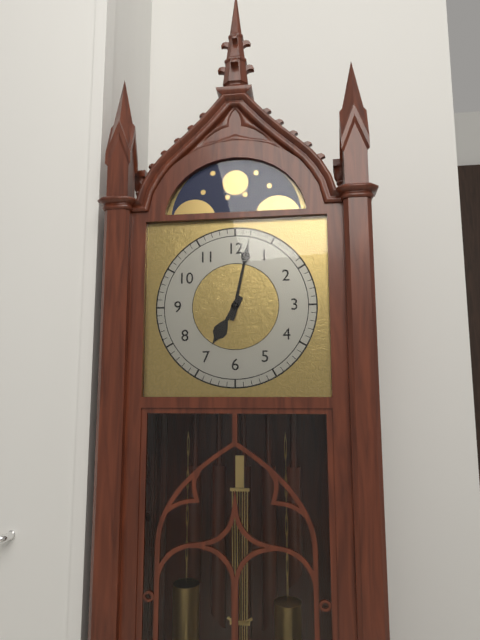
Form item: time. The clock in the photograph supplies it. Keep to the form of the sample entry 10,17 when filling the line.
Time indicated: 7,02
